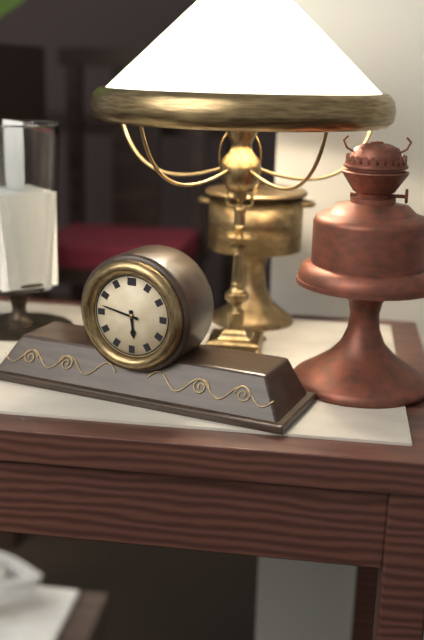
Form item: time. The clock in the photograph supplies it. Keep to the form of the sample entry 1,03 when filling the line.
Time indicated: 5,47
